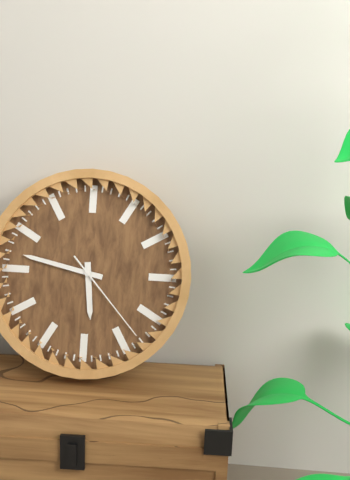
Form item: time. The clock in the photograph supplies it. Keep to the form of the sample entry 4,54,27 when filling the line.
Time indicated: 5,47,23
